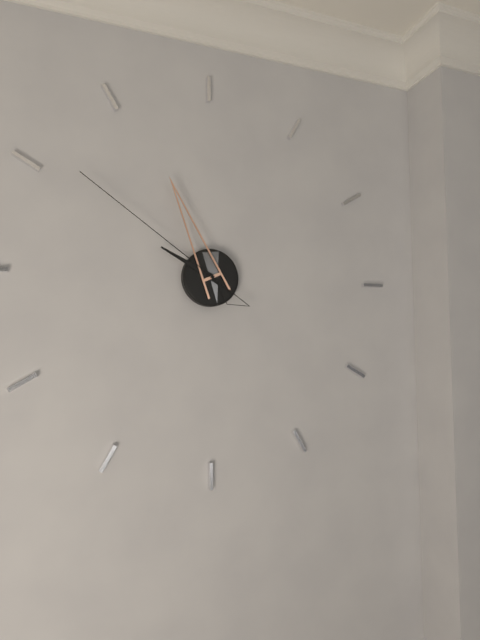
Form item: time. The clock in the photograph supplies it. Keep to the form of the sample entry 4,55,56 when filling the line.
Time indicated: 9,56,51
